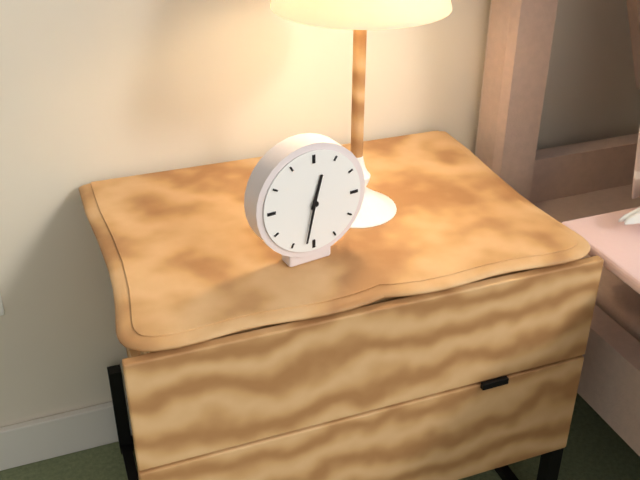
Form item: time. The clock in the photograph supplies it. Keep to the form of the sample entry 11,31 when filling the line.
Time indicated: 12,32
